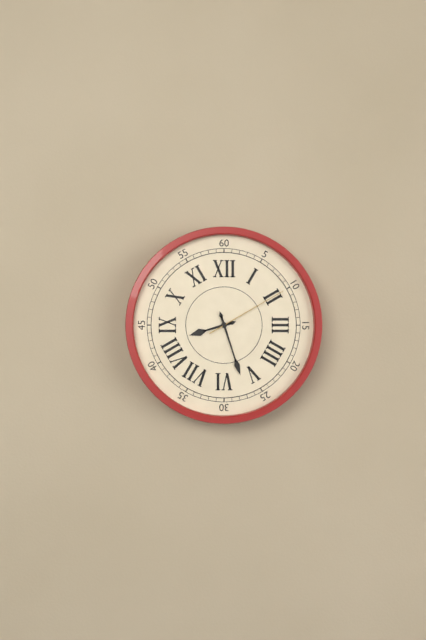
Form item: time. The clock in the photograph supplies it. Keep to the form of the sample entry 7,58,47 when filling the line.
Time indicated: 8,27,10
